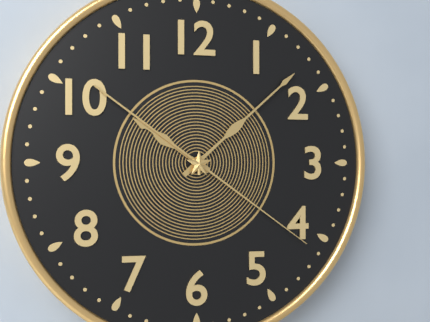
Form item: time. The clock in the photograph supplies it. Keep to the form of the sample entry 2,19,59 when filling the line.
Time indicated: 10,08,21
